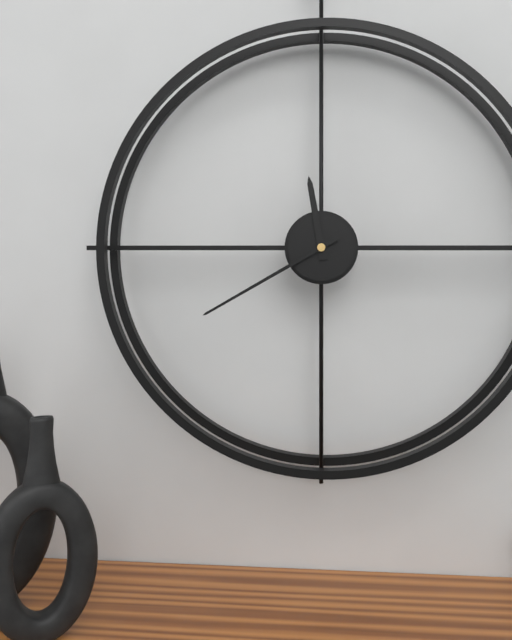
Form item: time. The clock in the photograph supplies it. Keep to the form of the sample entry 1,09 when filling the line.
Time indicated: 11,40
